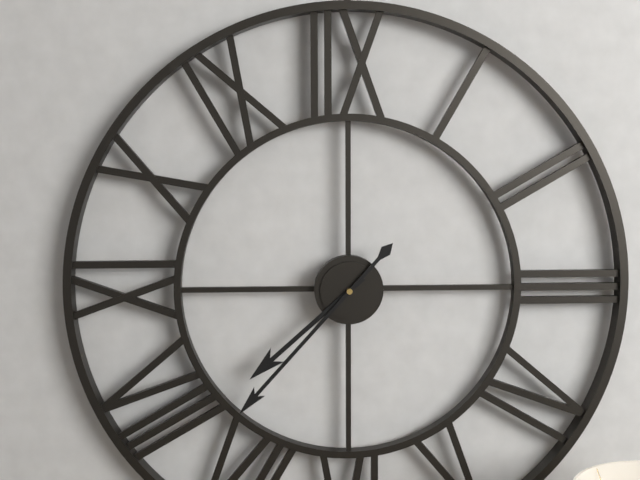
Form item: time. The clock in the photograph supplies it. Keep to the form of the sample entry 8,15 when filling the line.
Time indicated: 7,37
